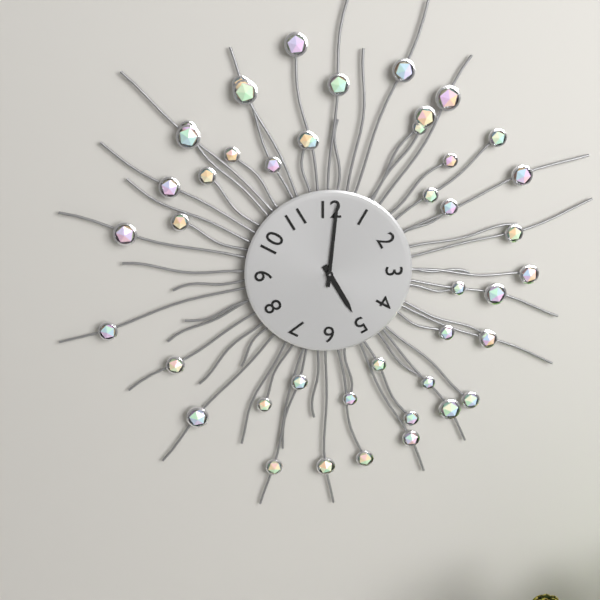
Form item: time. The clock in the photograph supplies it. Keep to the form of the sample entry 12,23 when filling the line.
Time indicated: 5,01
